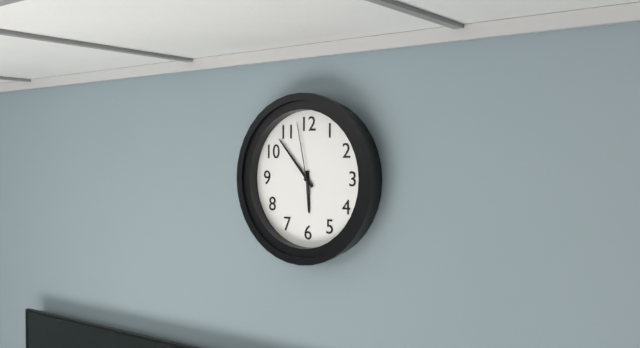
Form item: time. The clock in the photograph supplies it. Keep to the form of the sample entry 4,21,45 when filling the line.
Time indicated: 5,53,58
